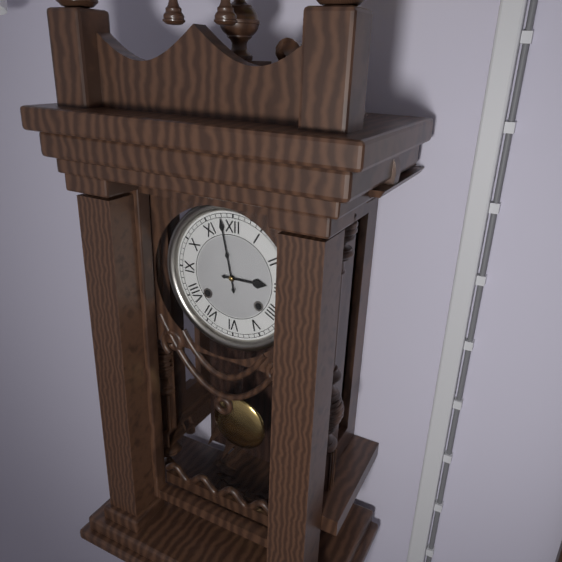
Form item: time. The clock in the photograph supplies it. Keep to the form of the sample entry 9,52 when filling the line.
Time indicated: 2,58
